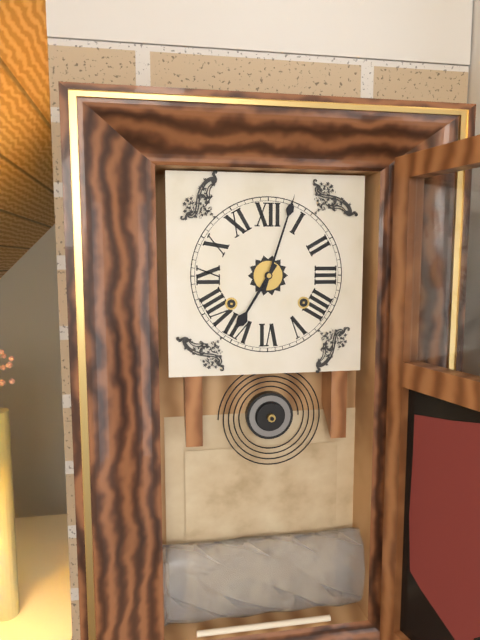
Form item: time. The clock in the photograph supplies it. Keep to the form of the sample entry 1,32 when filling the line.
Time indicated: 7,03
